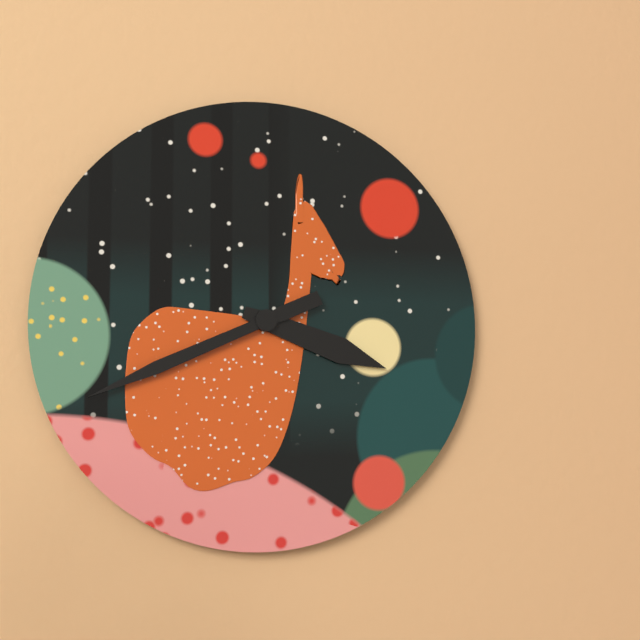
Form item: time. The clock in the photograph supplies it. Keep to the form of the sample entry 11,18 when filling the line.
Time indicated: 3,41
